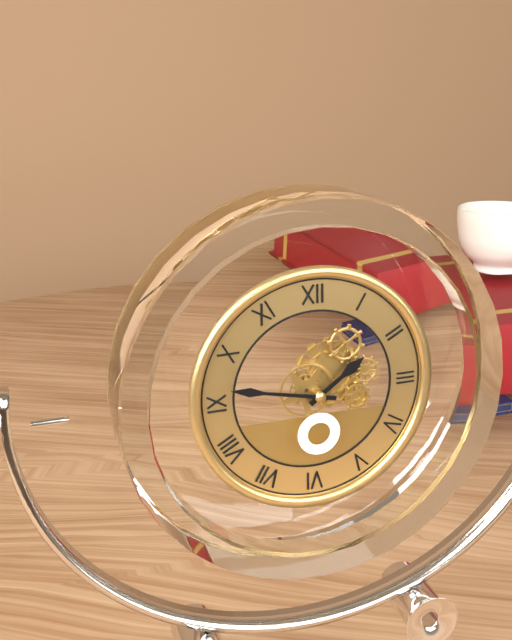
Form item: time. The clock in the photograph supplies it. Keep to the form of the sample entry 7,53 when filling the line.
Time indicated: 1,47
